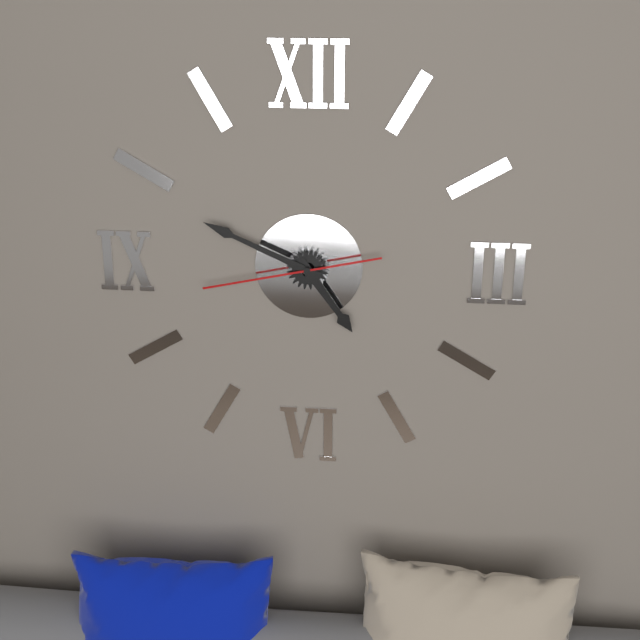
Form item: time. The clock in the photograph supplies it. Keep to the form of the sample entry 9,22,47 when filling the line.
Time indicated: 4,49,43
